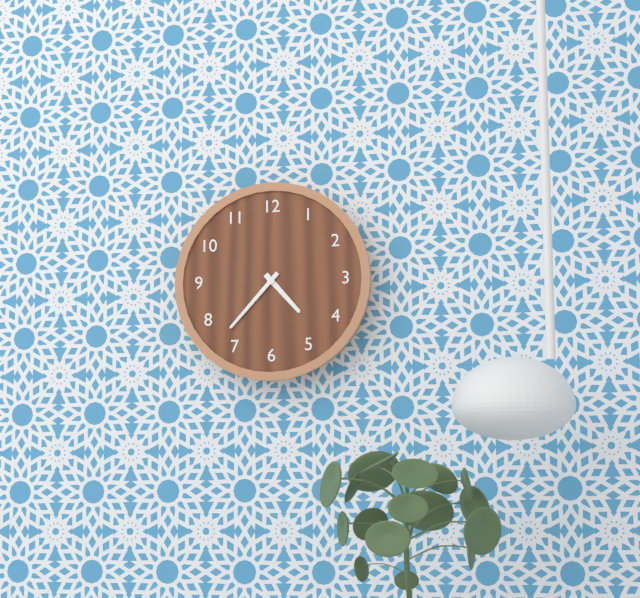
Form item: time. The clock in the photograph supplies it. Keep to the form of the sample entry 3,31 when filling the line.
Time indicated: 4,37
